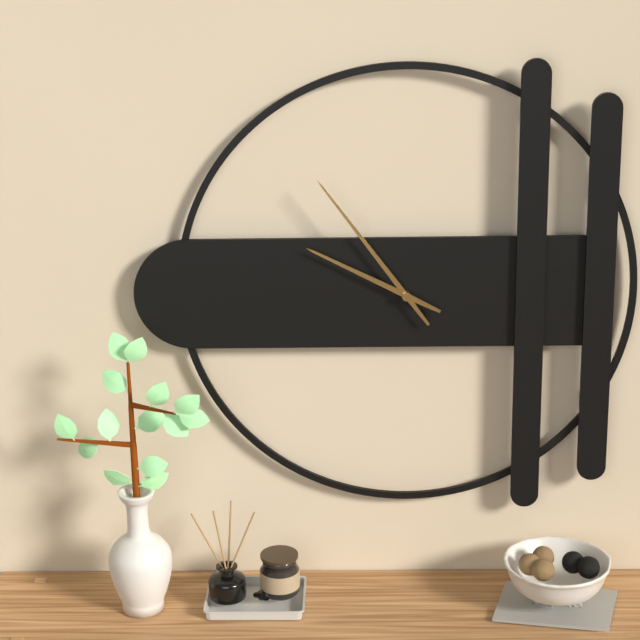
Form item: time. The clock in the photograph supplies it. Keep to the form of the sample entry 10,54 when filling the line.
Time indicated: 9,54
